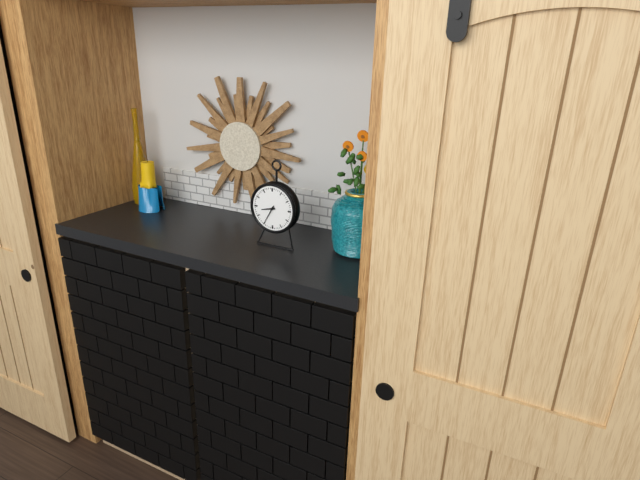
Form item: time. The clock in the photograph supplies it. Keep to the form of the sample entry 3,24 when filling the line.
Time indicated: 8,35
